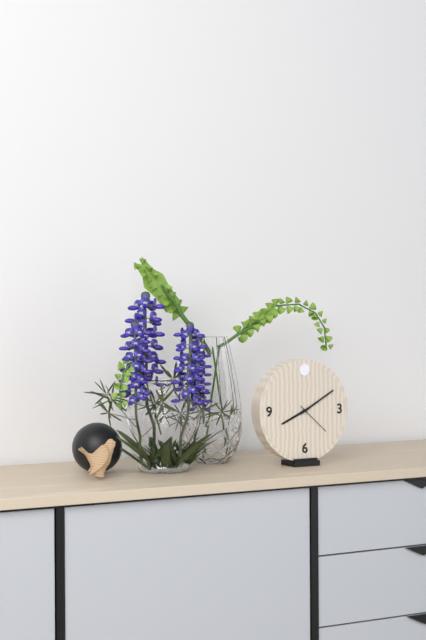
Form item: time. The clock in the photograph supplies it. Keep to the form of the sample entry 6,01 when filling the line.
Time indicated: 8,10
